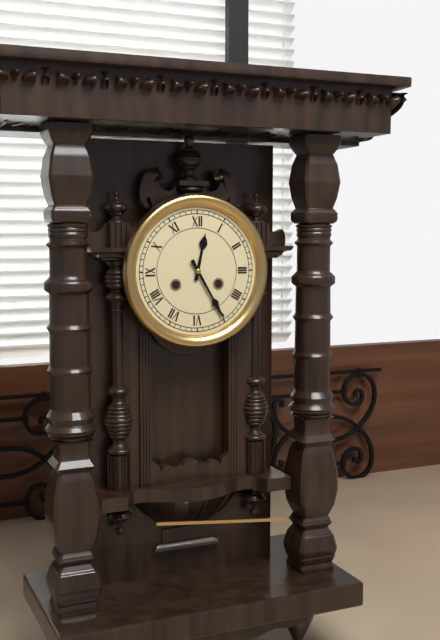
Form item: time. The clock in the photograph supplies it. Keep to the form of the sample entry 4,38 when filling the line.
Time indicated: 12,25
